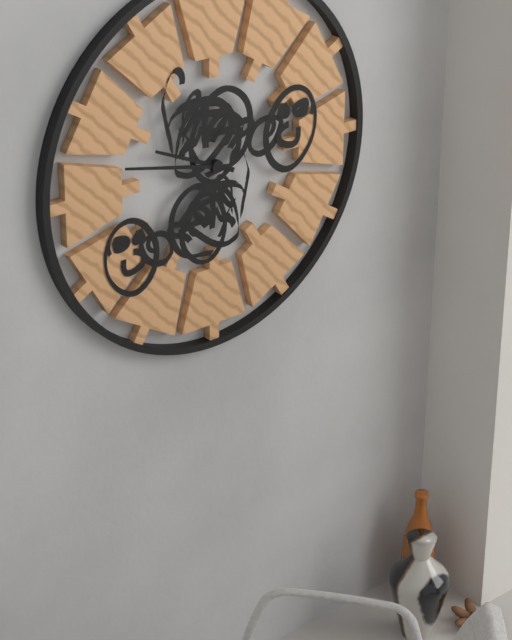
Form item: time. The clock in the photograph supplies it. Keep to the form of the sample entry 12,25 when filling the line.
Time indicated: 9,47
